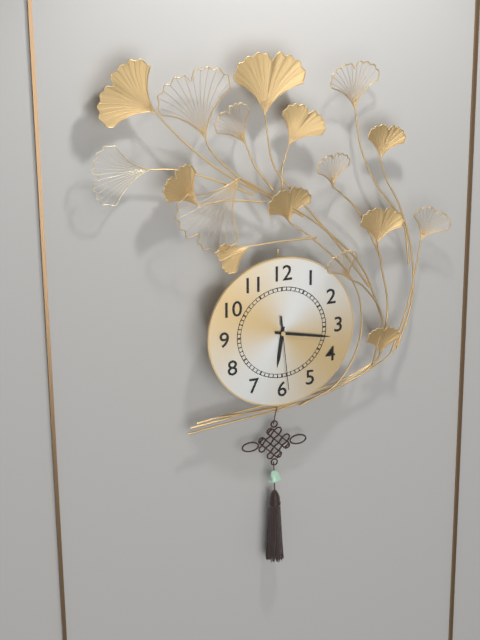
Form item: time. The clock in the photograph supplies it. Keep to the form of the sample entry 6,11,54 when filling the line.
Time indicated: 6,17,29
